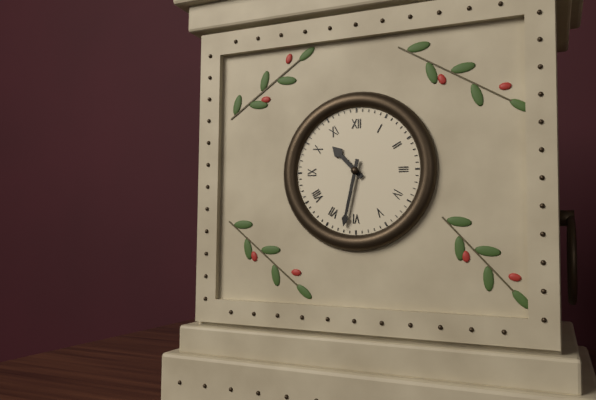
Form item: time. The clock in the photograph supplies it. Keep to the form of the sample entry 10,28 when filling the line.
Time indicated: 10,32
